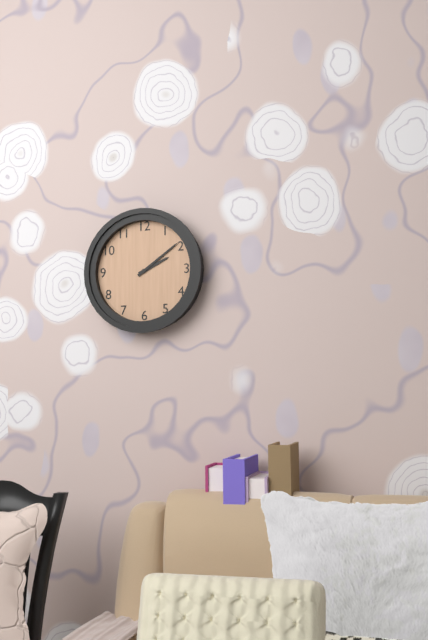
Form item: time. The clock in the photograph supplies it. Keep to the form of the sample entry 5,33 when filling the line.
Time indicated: 2,09
